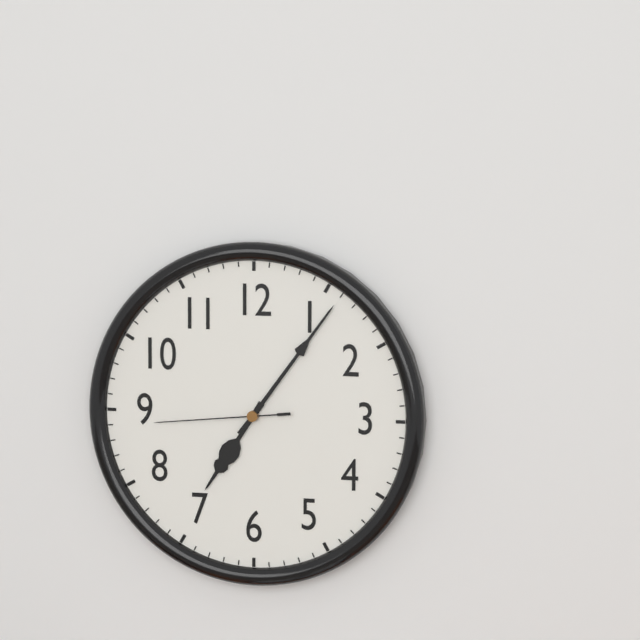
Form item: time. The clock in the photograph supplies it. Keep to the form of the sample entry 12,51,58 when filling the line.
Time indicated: 7,06,44
